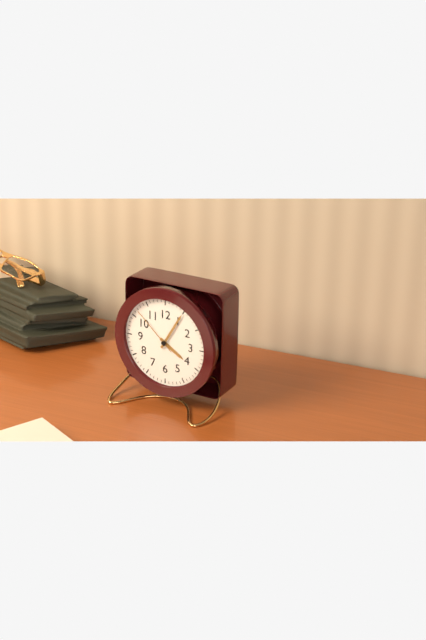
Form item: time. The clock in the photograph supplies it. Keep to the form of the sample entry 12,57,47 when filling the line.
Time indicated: 4,05,52
